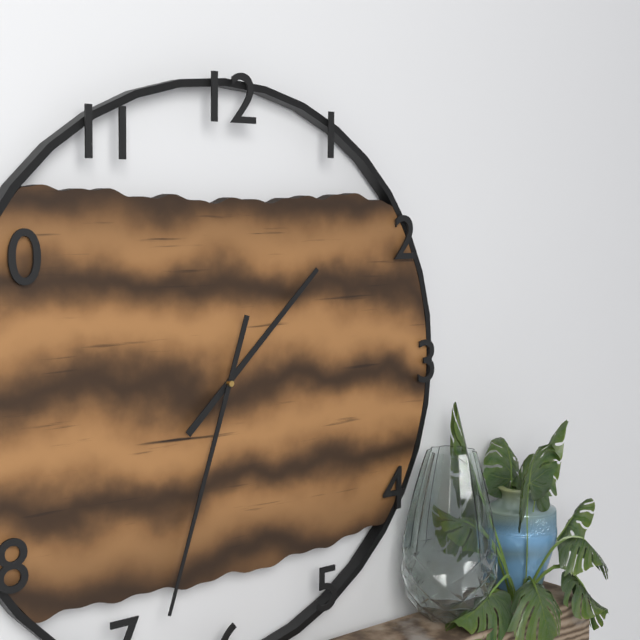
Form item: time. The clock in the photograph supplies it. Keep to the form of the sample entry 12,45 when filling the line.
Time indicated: 1,33
